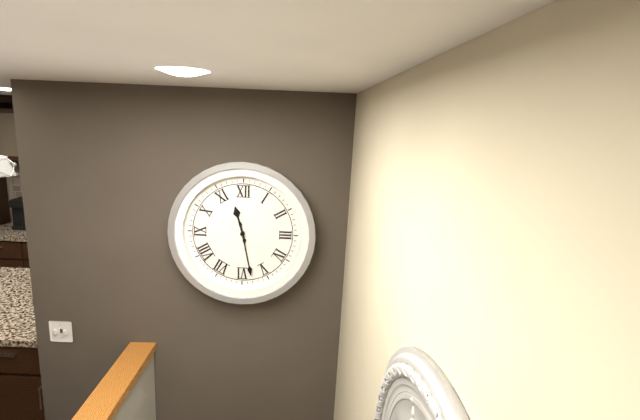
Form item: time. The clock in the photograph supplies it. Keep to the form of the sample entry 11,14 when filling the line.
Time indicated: 11,28
